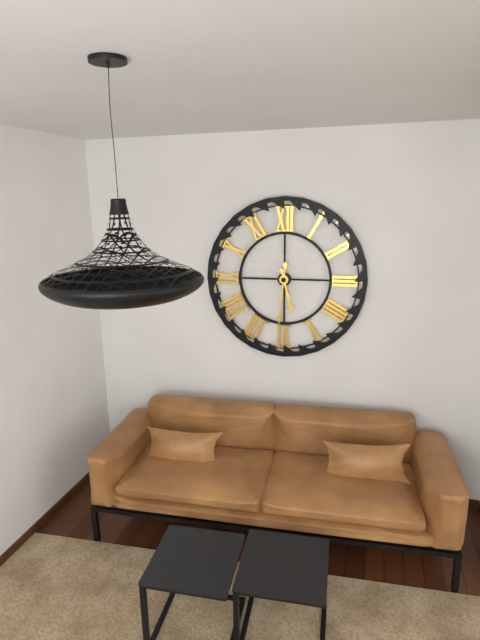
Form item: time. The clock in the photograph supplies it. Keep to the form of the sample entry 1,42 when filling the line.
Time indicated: 5,31
